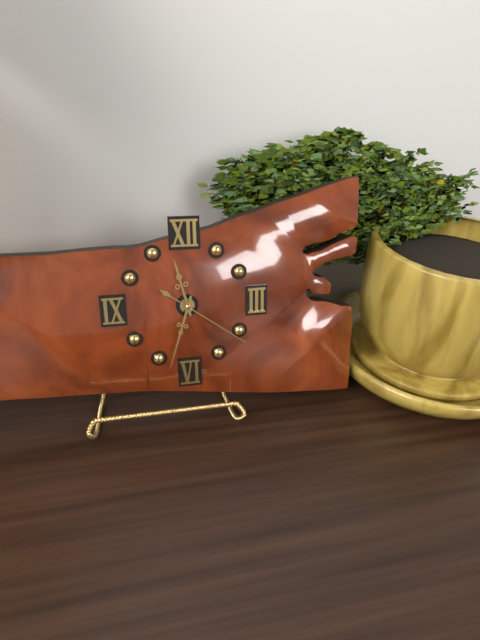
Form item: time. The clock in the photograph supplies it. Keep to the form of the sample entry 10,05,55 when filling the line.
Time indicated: 11,33,21
